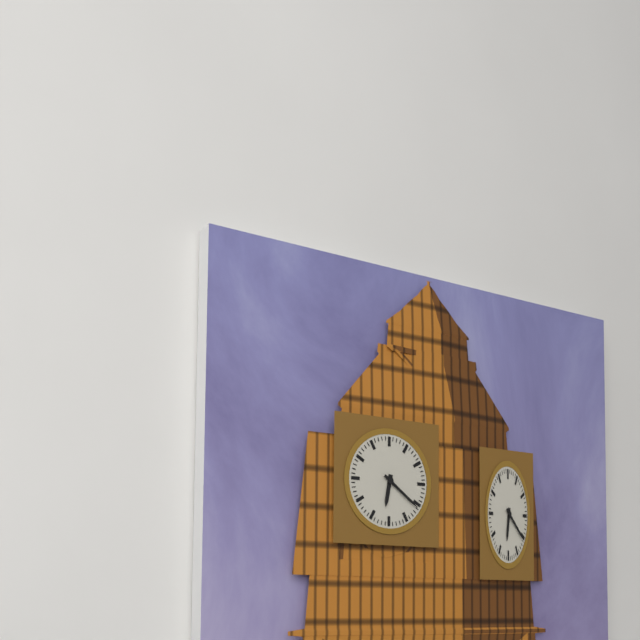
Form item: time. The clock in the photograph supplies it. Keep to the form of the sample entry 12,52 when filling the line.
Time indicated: 6,21
